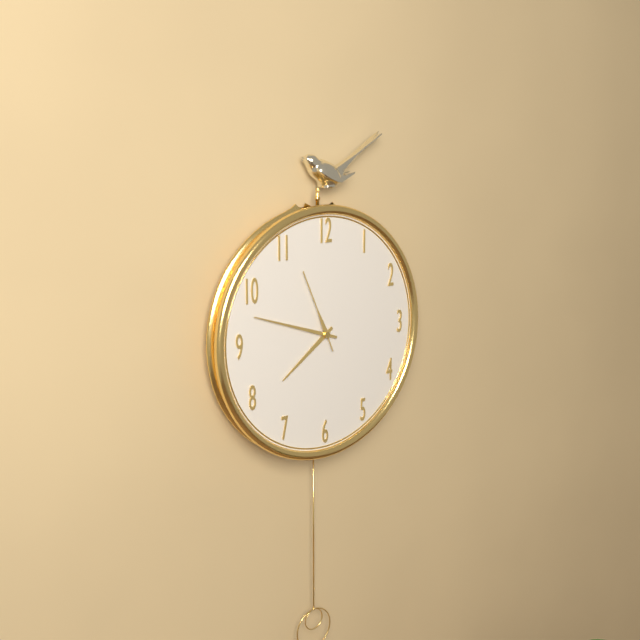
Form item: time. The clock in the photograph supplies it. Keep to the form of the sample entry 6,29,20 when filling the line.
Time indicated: 7,48,56
